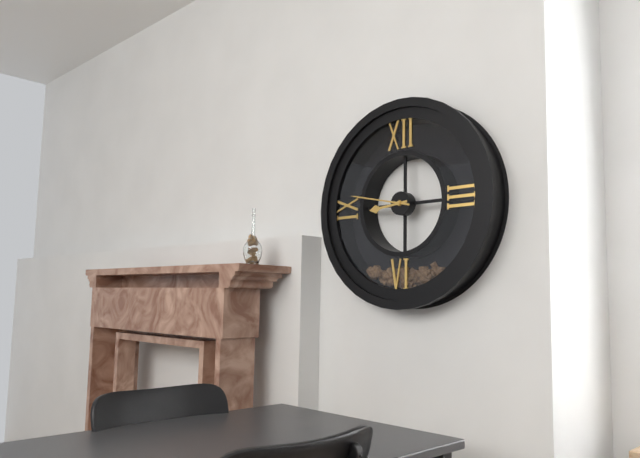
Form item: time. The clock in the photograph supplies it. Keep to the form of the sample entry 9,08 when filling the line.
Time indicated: 8,47
